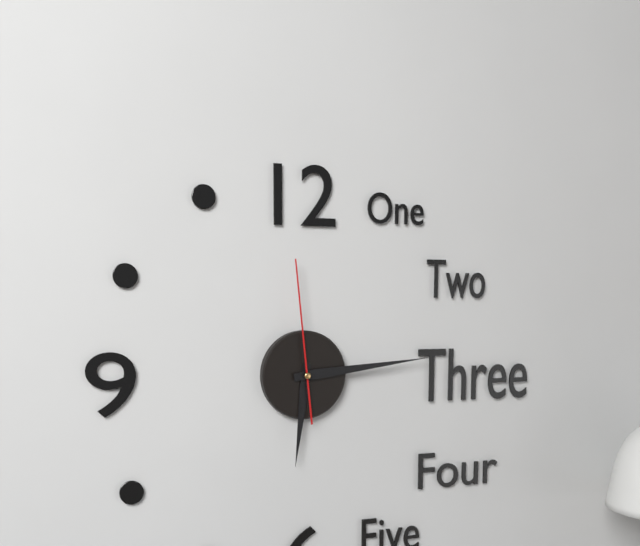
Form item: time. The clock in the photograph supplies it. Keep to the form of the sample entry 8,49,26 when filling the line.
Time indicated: 6,14,59
